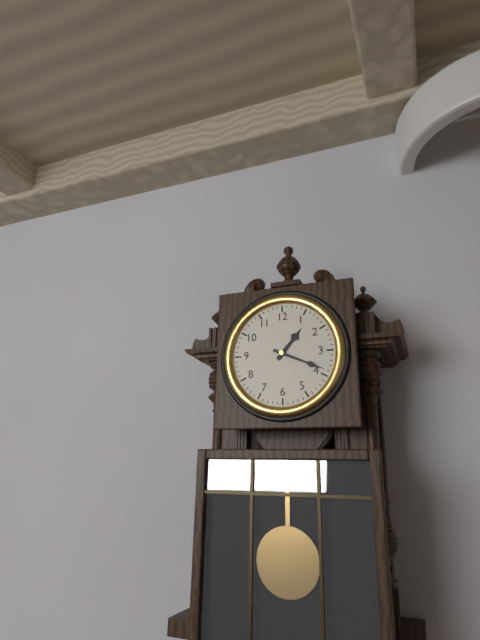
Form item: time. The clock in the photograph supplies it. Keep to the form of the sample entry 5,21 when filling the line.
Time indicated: 1,19
